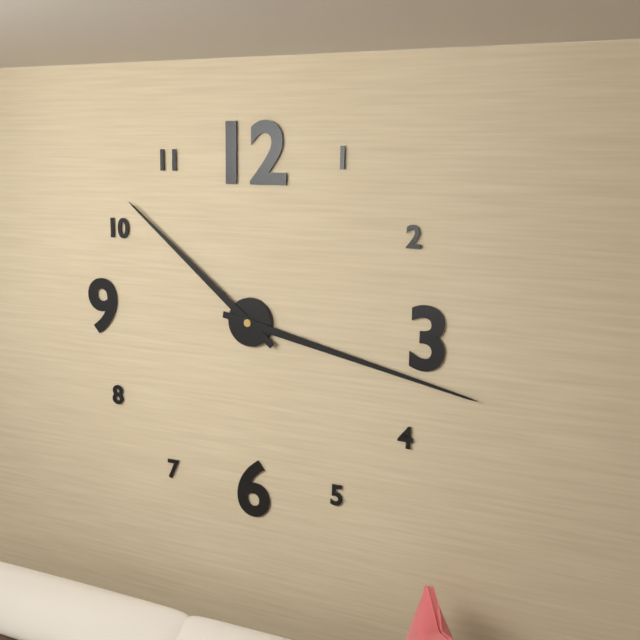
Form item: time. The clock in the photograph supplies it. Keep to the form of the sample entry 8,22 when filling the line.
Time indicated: 10,17
